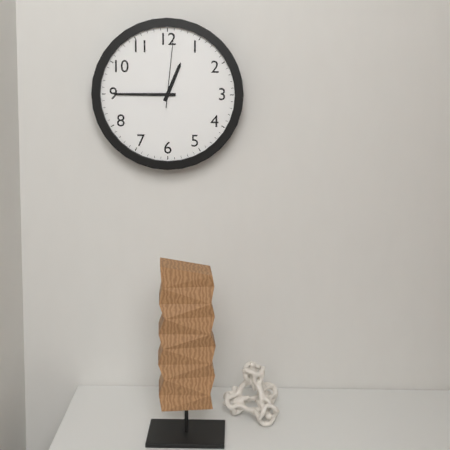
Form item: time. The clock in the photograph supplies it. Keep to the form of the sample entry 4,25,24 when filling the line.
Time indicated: 12,45,01
